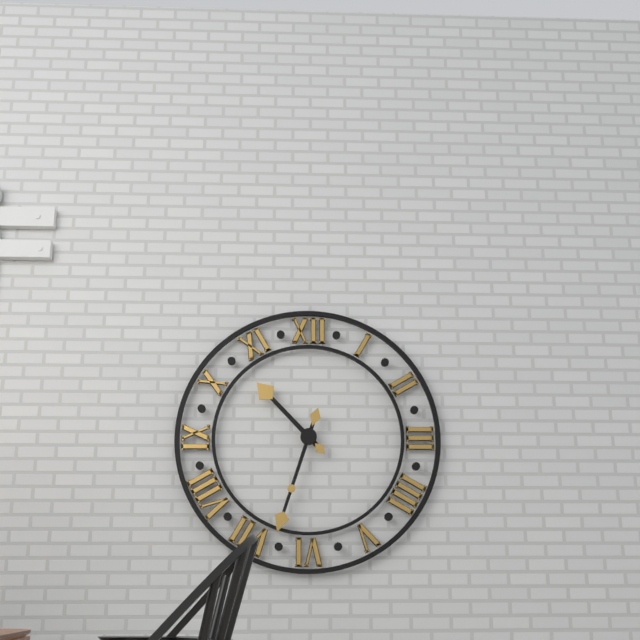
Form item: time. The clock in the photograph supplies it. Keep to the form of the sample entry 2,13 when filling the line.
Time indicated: 10,33
